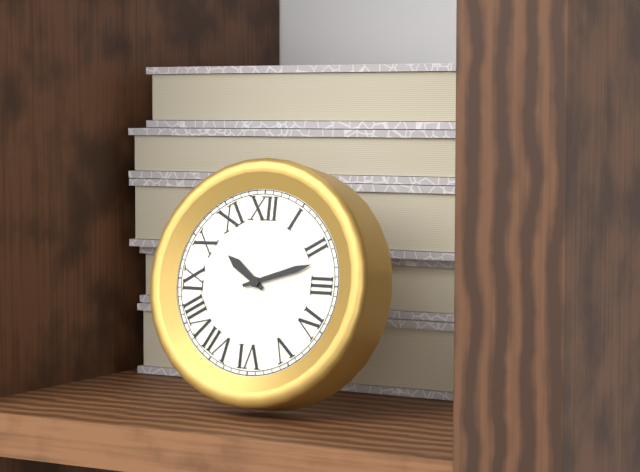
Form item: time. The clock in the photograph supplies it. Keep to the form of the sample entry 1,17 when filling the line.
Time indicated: 10,12
